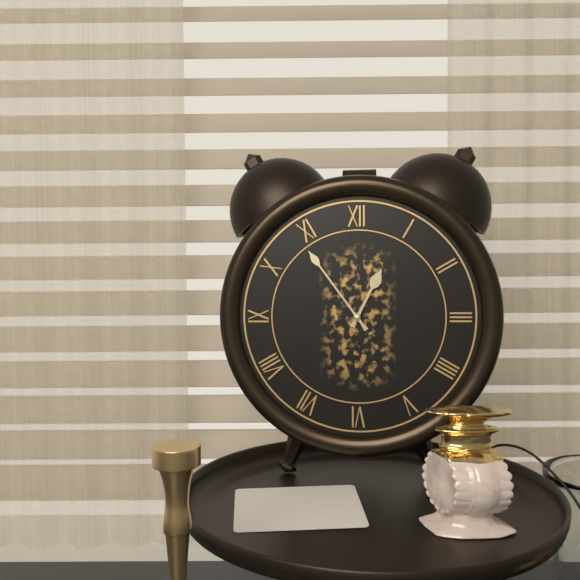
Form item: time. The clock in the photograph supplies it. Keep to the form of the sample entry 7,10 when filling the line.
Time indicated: 12,54
